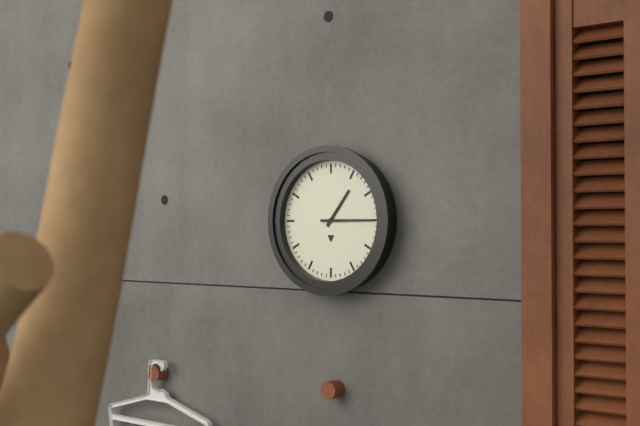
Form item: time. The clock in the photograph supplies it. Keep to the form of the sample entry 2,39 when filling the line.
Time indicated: 1,15
